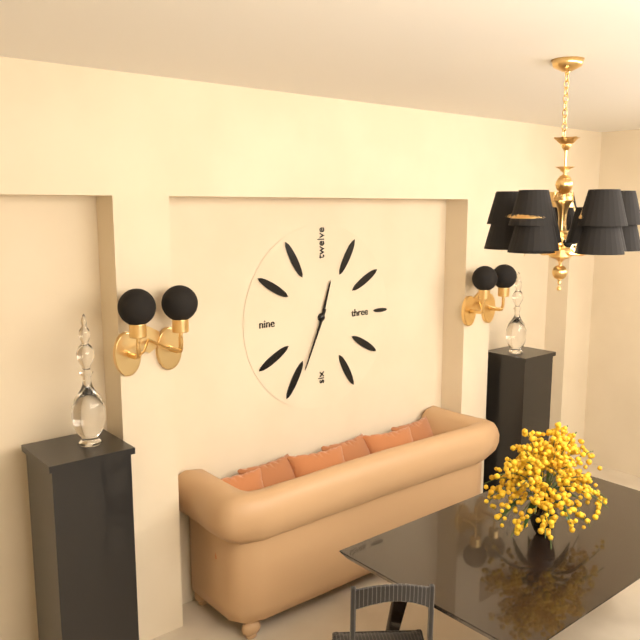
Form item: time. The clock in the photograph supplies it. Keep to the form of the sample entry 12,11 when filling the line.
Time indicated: 12,34
